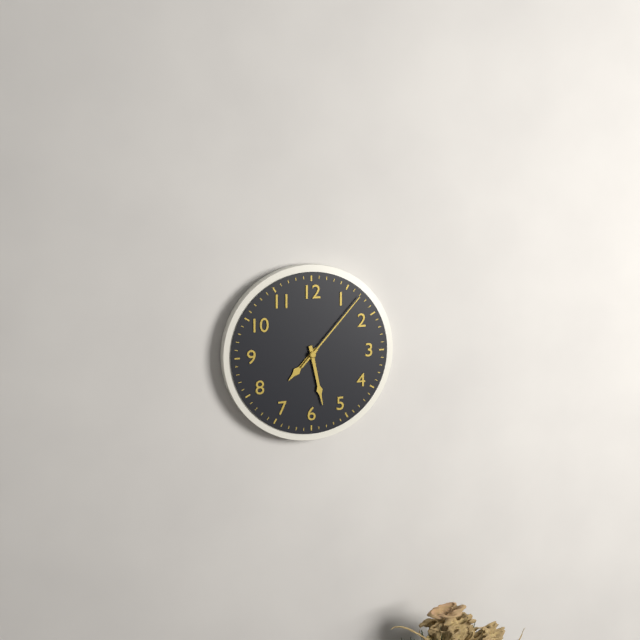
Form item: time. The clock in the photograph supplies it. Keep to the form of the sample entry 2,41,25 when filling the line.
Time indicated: 7,28,07
